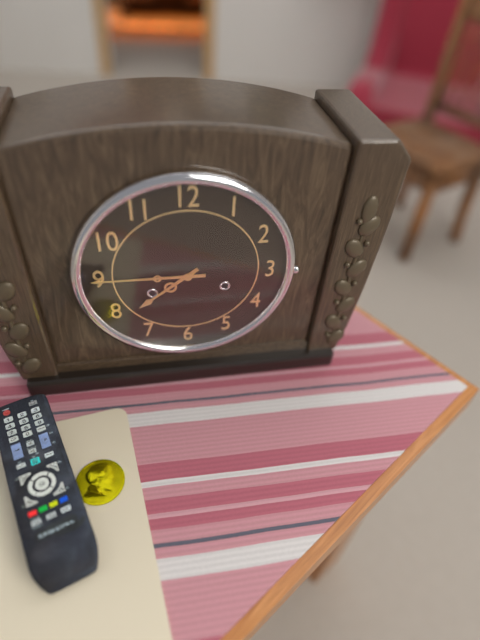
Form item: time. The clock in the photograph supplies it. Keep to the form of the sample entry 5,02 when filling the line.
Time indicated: 7,45
